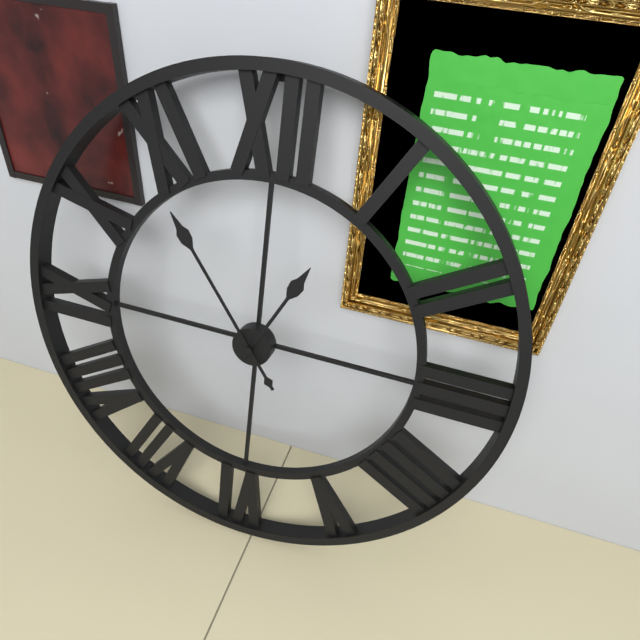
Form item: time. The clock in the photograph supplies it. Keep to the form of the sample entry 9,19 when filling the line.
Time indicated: 12,54
